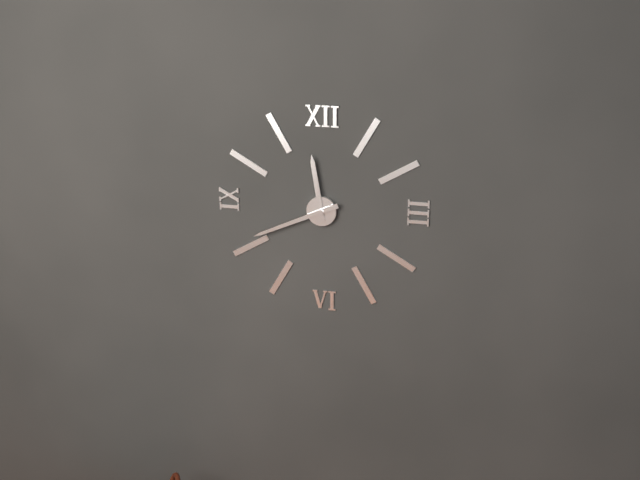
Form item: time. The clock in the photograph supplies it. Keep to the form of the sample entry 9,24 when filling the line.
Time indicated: 11,41
